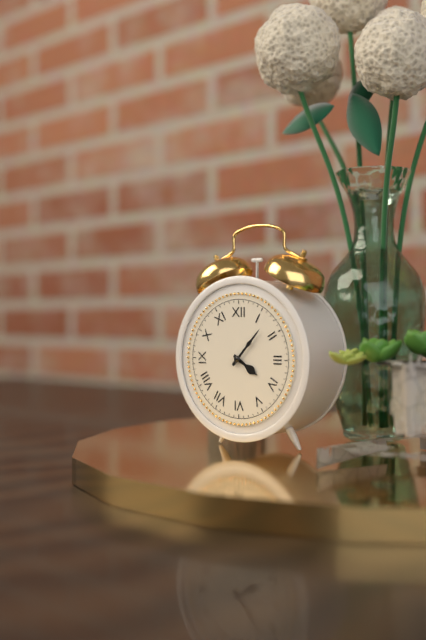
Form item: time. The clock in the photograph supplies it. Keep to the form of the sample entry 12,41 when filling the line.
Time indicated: 4,07
